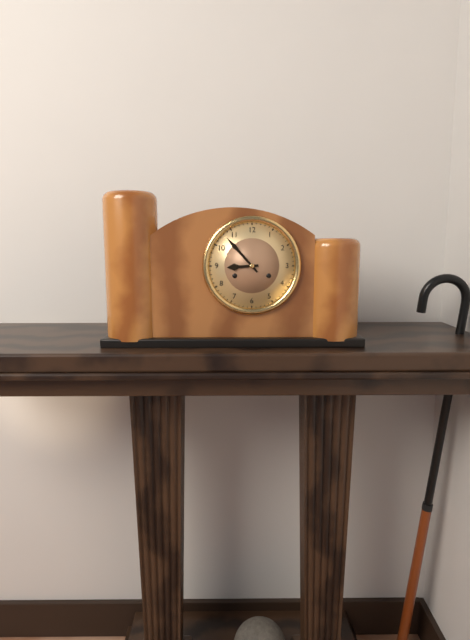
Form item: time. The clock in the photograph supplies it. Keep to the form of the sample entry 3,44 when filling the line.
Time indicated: 8,53
